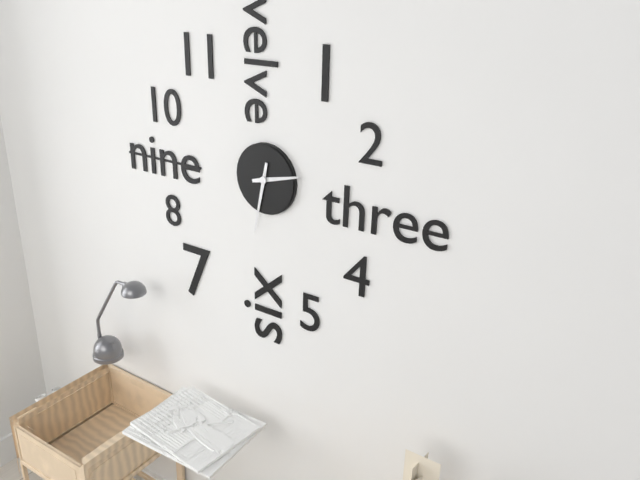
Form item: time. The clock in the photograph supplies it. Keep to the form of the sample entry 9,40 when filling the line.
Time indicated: 2,32
